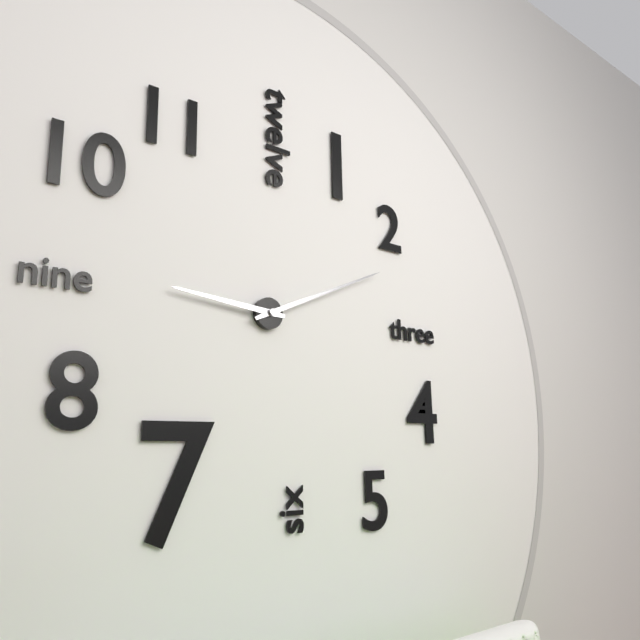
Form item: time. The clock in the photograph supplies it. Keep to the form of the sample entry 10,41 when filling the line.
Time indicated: 9,11
